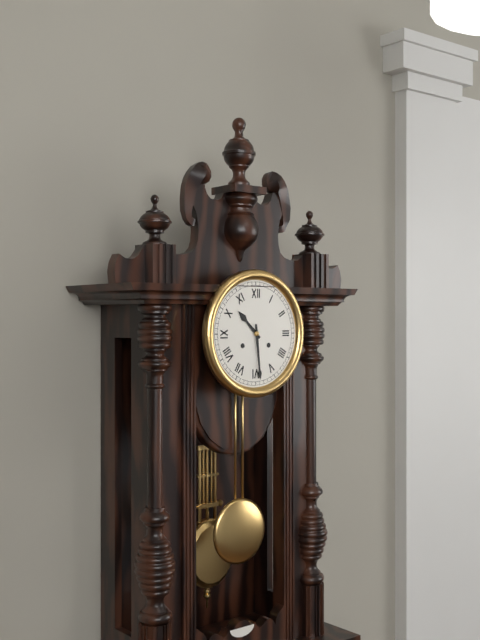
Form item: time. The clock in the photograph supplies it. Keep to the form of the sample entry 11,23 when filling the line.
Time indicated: 10,29
